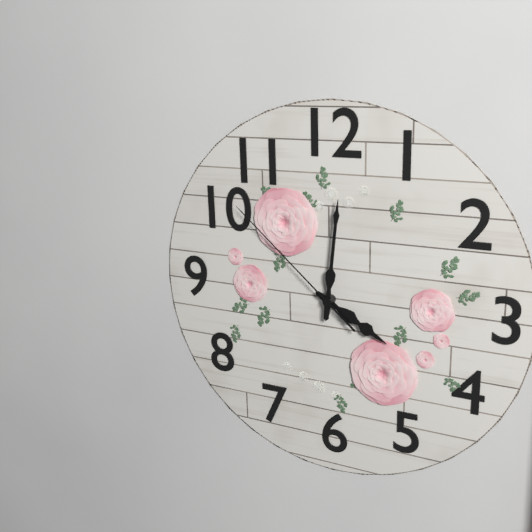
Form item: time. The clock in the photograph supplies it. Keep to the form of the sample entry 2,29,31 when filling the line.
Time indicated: 4,01,52
